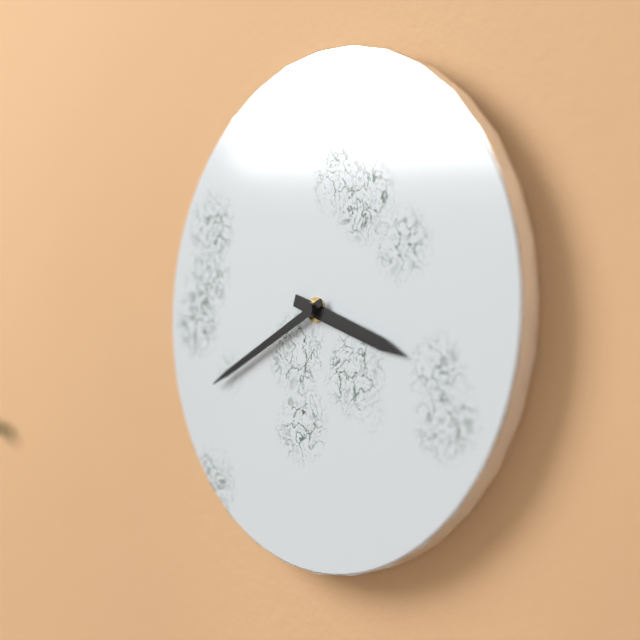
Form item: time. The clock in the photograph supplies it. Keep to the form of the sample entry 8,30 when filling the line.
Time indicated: 3,41
